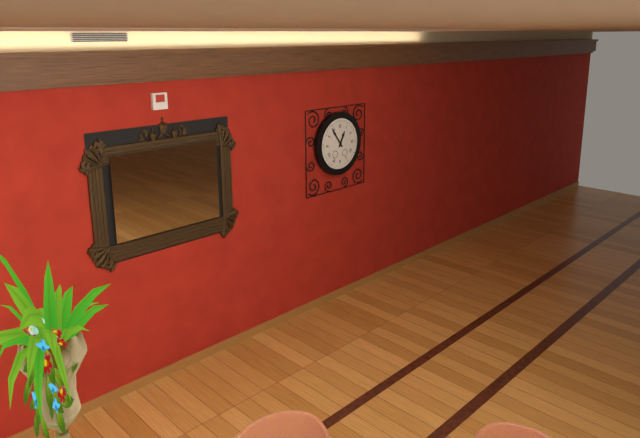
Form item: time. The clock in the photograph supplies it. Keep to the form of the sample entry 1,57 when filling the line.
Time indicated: 12,54
